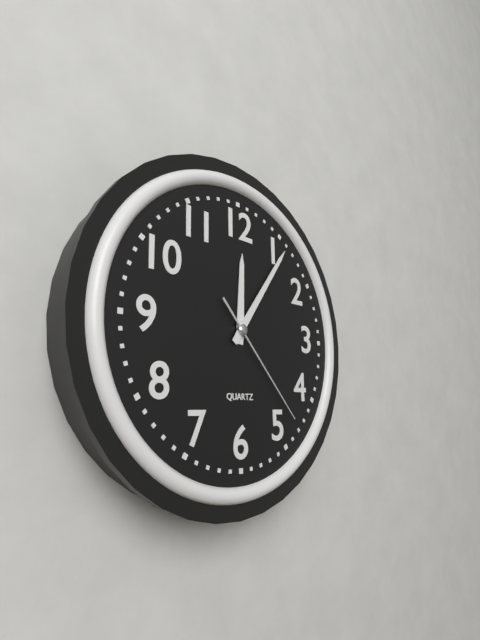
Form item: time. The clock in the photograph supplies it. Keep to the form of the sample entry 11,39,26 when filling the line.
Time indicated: 12,06,23
